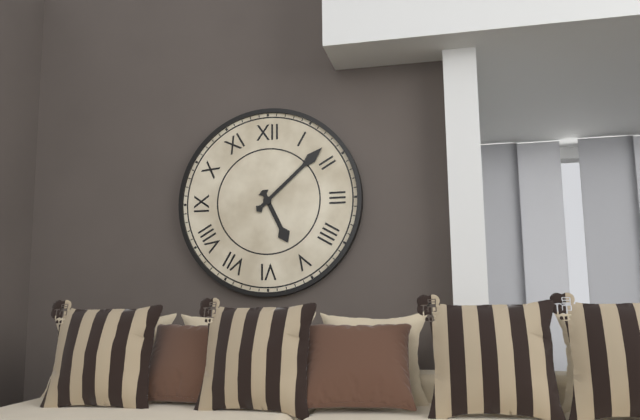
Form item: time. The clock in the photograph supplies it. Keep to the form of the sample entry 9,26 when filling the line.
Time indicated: 5,08
